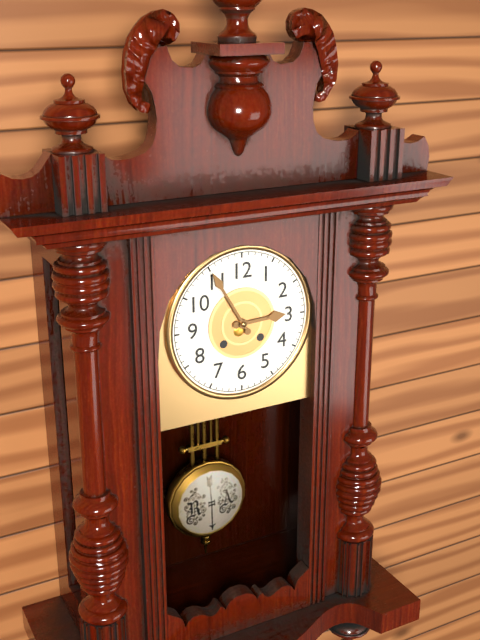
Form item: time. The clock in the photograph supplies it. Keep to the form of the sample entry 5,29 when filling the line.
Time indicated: 2,55
